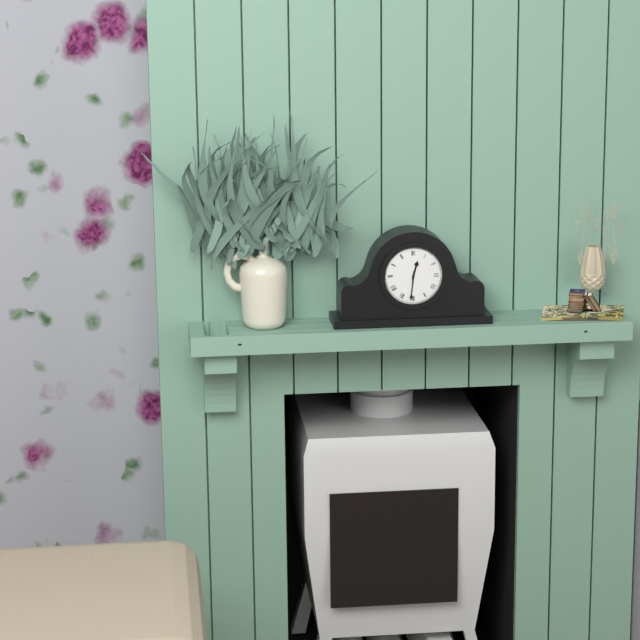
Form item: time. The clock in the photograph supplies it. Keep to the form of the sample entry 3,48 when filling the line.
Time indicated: 12,31
